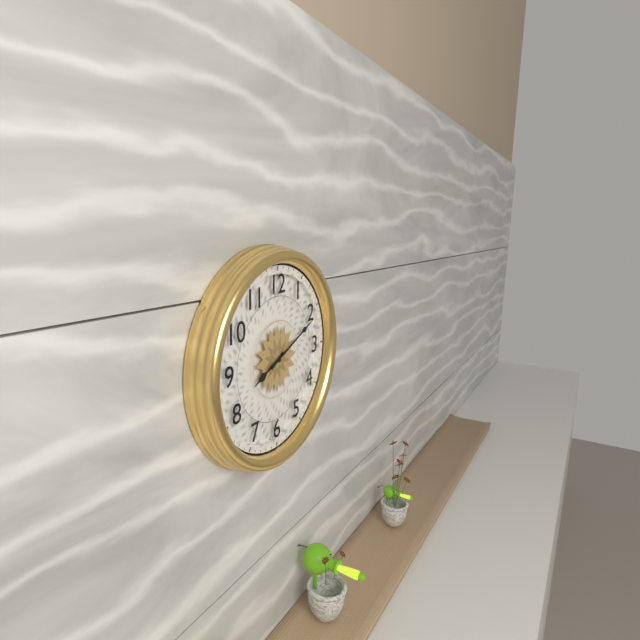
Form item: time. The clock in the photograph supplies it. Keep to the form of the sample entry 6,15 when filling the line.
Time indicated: 8,11
